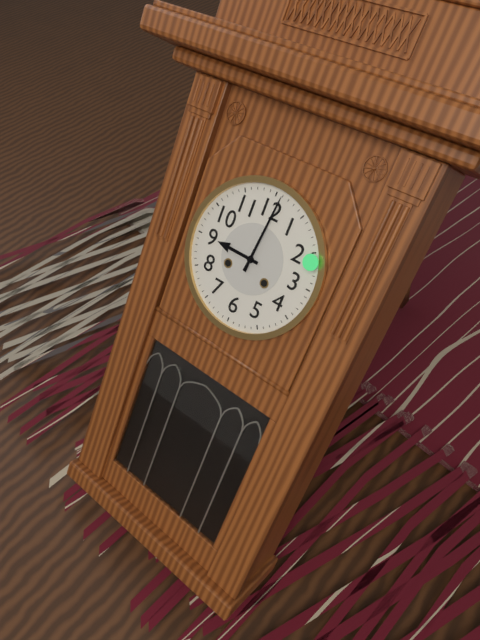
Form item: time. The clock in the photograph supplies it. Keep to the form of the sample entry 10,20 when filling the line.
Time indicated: 9,01
